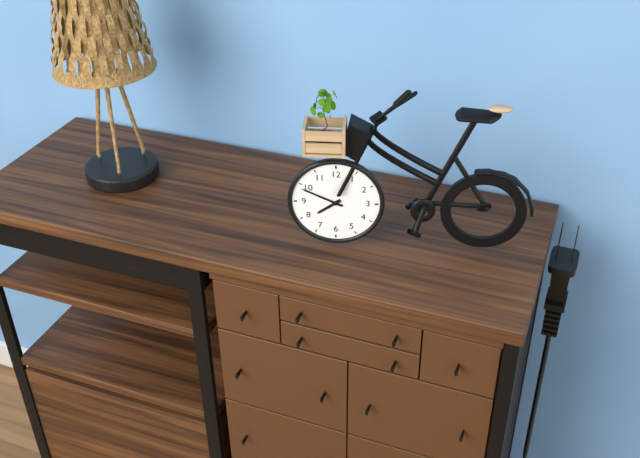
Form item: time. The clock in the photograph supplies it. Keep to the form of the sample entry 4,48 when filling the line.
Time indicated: 7,49
